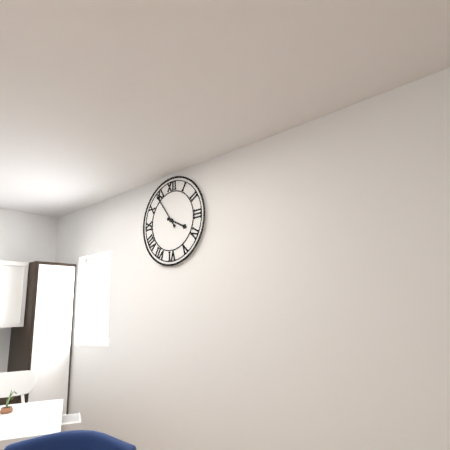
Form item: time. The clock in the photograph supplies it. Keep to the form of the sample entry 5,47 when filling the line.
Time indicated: 3,54
